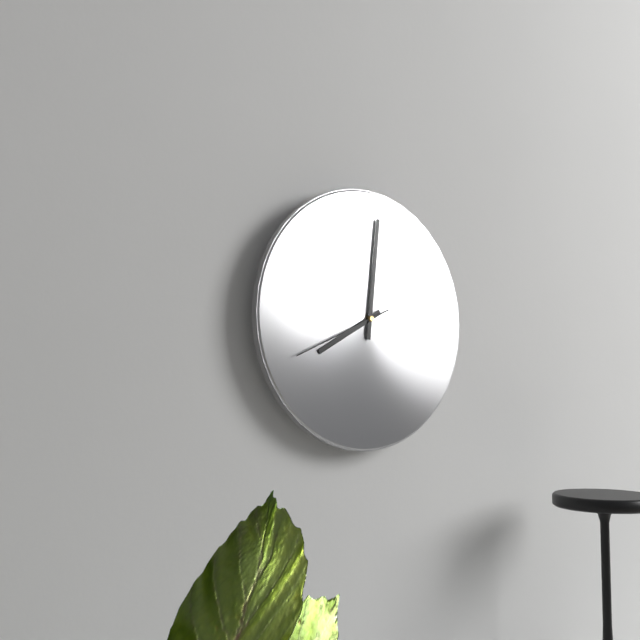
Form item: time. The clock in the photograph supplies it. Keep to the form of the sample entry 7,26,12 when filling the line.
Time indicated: 8,01,41
